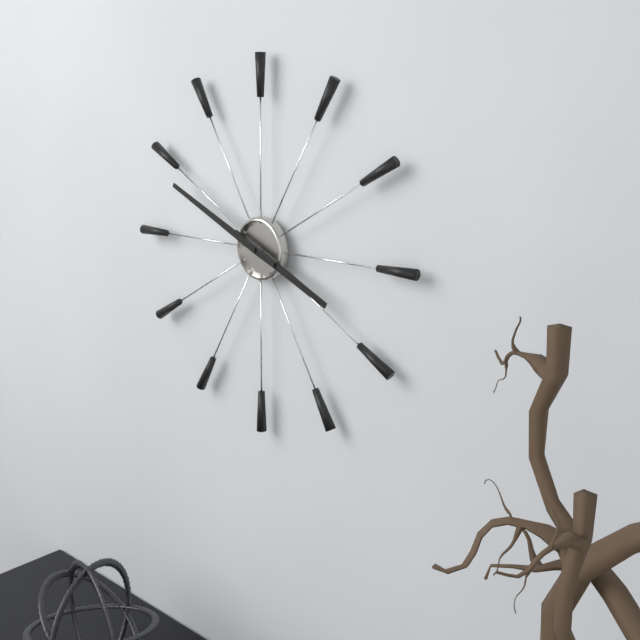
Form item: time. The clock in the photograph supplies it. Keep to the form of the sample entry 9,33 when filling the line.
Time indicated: 3,49
